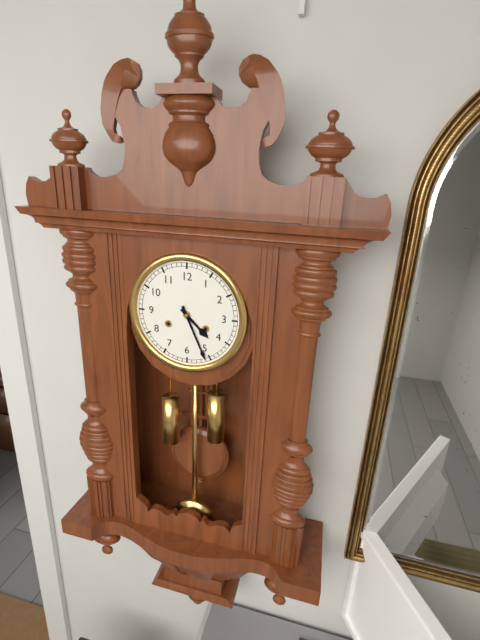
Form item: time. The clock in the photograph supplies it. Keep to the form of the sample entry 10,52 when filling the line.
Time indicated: 4,26
